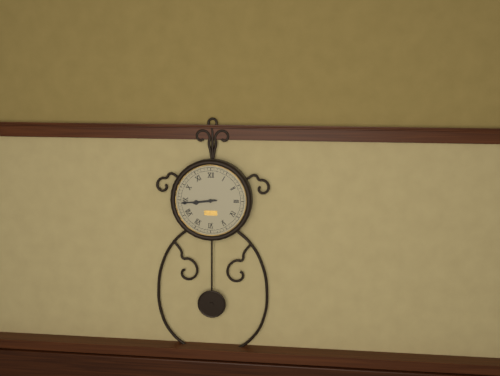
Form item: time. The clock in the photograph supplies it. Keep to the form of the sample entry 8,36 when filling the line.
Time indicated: 8,44
